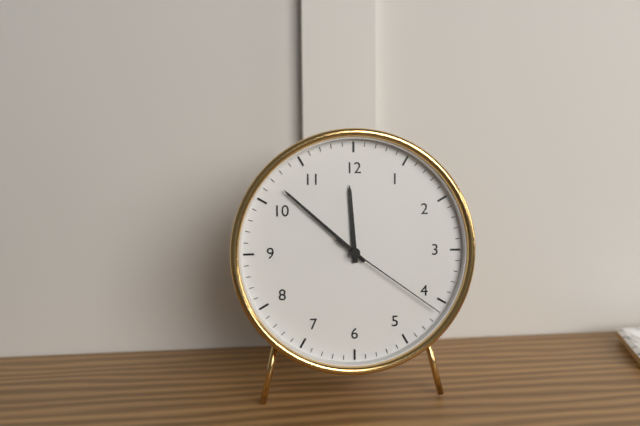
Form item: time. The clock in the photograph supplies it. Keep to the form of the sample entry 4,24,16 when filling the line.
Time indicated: 11,52,21
